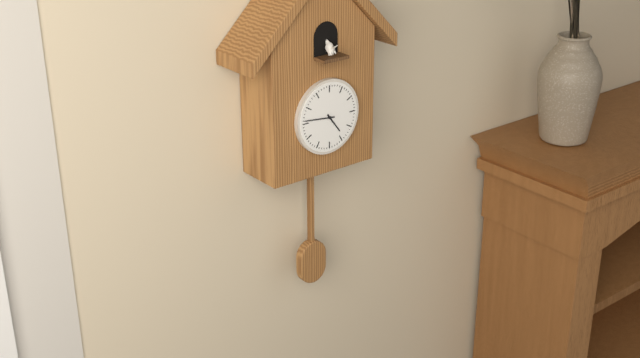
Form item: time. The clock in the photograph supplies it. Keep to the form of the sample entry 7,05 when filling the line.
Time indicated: 4,46
